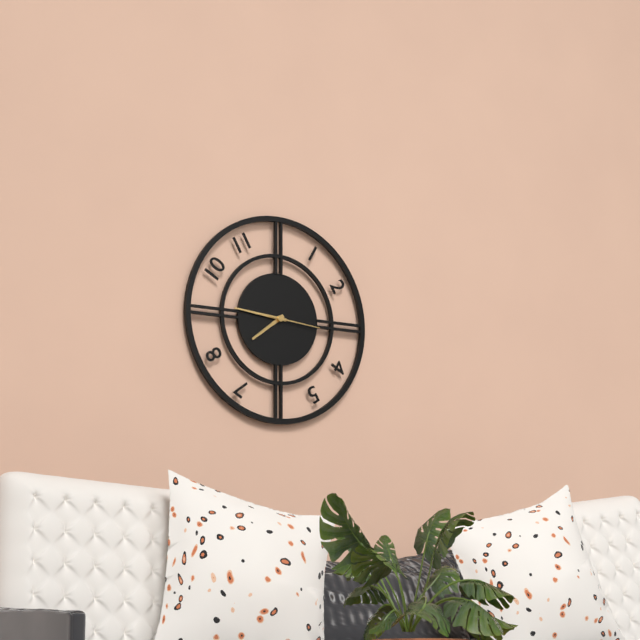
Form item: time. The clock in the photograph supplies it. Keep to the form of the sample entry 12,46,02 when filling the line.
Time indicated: 7,46,16
